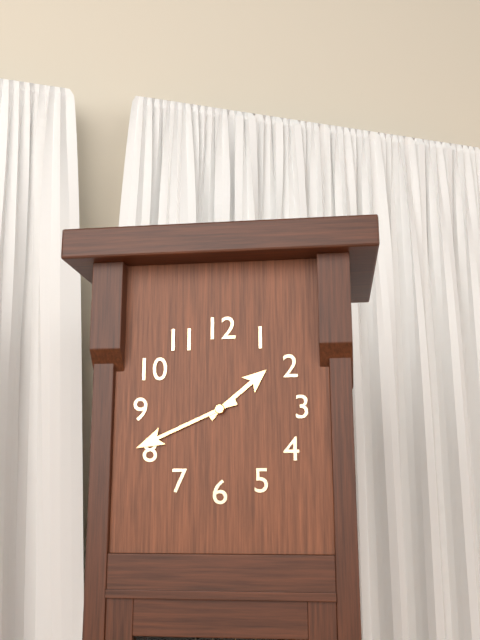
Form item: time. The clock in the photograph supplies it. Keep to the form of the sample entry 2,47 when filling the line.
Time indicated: 1,41
